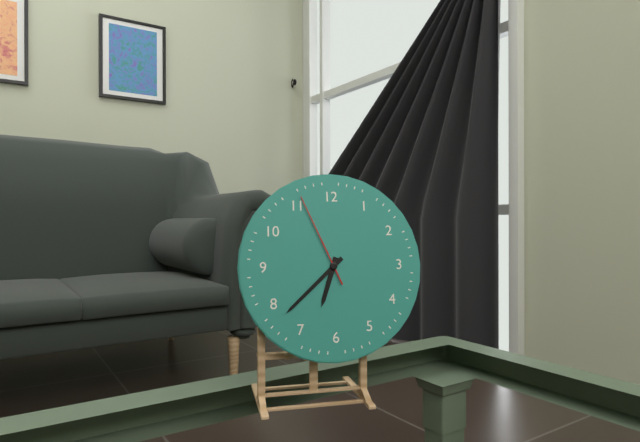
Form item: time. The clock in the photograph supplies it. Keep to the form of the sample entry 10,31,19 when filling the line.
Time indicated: 6,38,56
